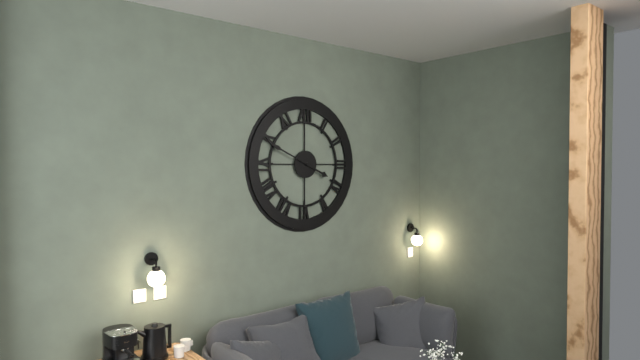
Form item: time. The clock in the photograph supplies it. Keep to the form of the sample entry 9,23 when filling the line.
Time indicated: 3,49
